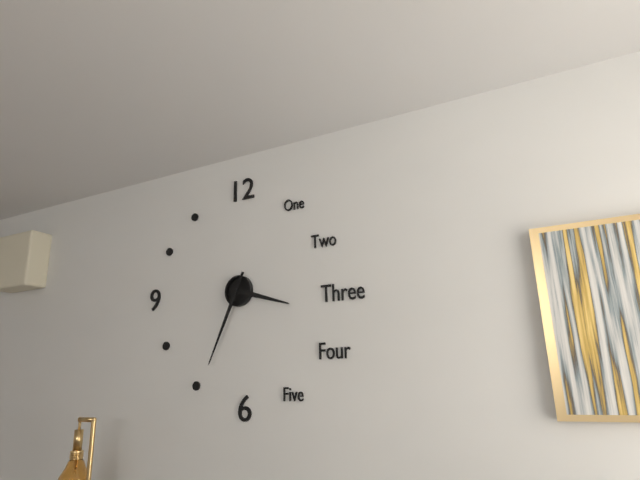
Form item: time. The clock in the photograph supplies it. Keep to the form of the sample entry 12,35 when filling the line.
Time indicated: 3,34
